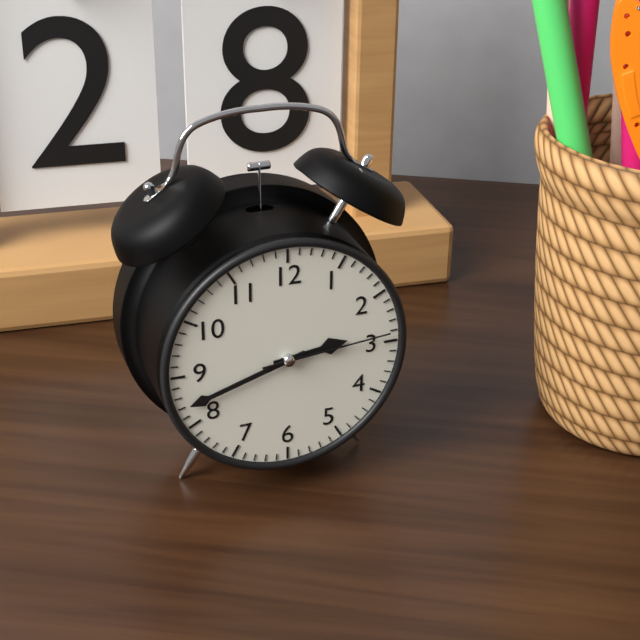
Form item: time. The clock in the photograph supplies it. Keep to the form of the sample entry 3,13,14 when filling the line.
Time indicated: 2,42,14
